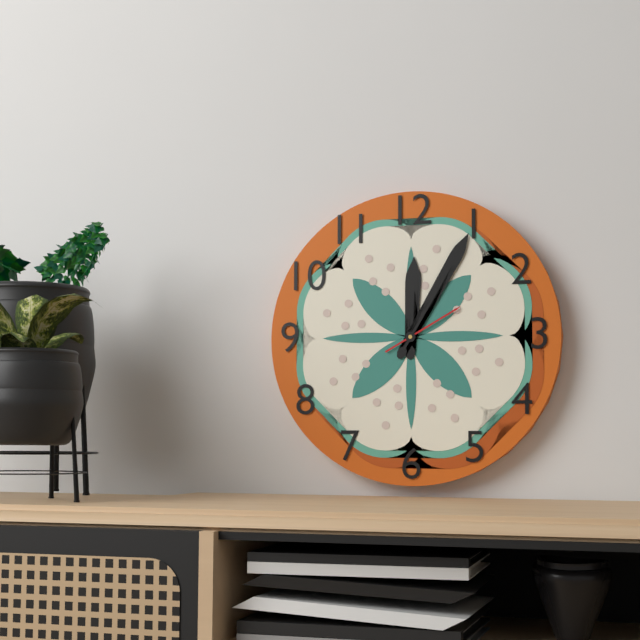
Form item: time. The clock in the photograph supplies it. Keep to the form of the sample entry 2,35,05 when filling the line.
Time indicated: 12,05,10
